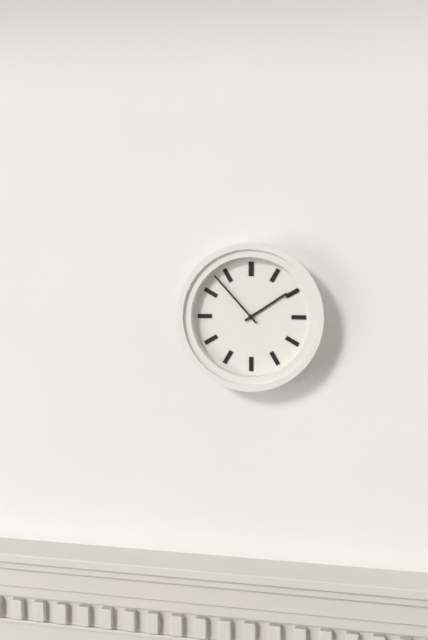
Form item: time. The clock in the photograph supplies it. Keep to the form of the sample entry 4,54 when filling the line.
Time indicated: 1,53
